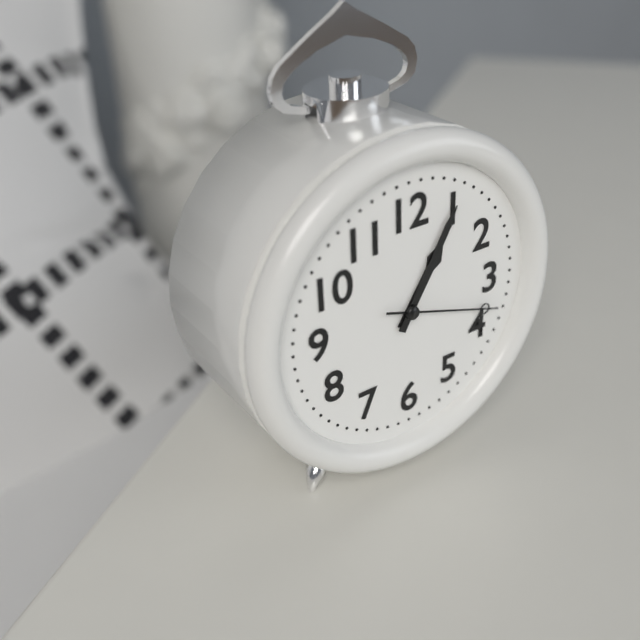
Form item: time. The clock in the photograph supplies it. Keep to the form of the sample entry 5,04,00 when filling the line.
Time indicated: 1,05,18
